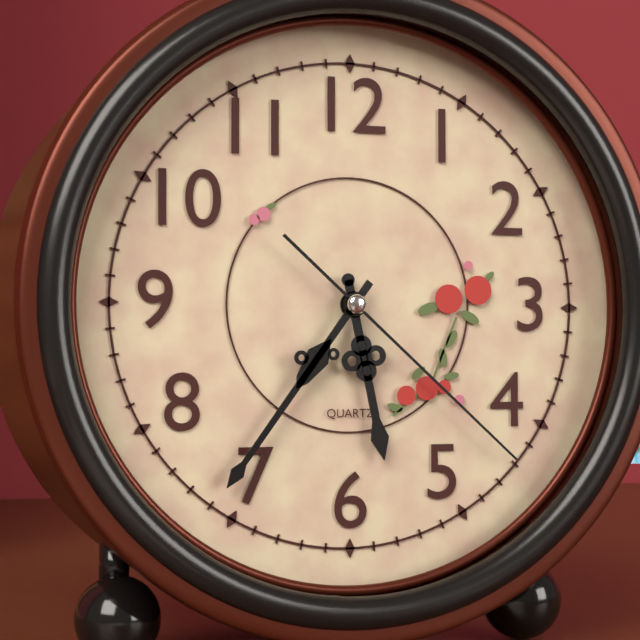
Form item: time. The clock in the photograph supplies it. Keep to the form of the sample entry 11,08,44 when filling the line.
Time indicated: 5,36,22
